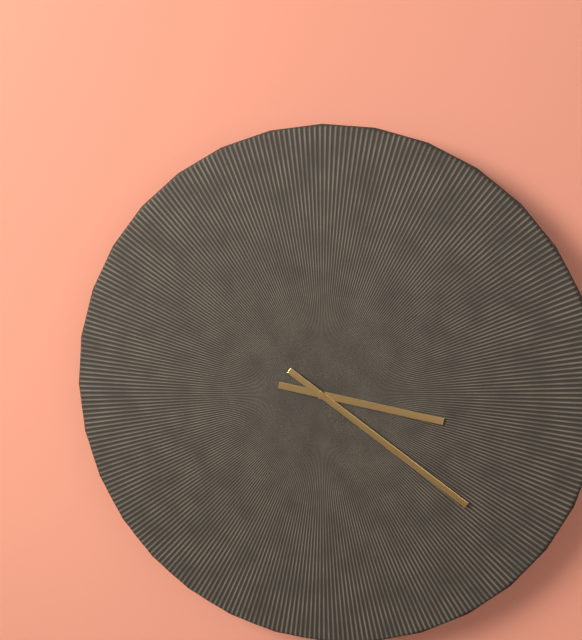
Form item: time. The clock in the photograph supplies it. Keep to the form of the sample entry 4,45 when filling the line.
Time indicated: 3,21
